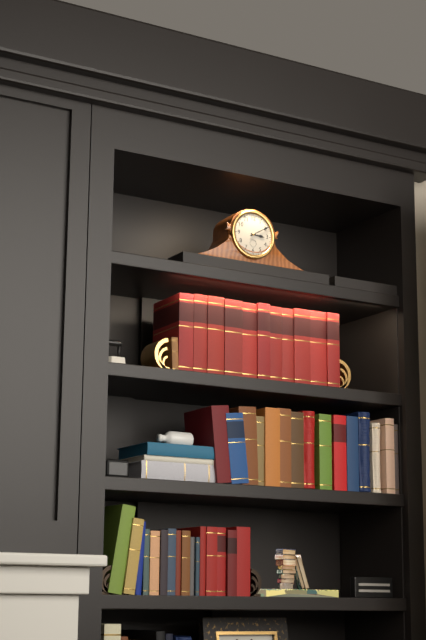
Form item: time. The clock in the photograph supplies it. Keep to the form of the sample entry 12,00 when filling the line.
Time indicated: 3,10
